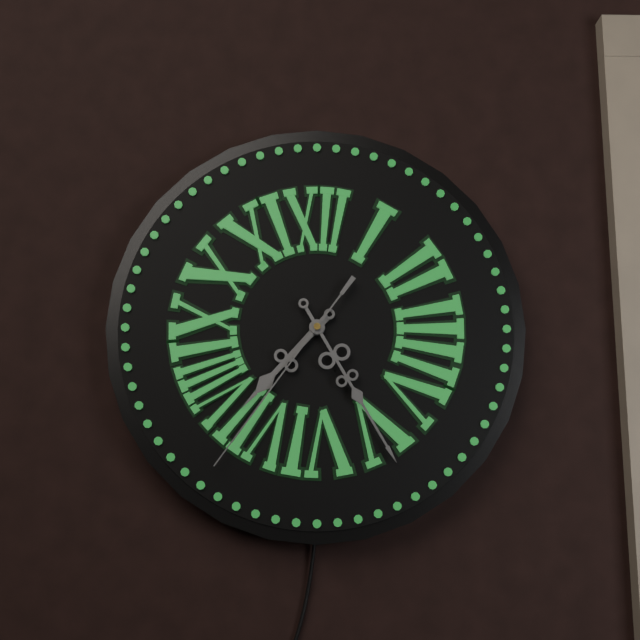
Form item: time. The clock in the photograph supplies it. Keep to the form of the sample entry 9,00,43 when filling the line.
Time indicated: 7,25,36
